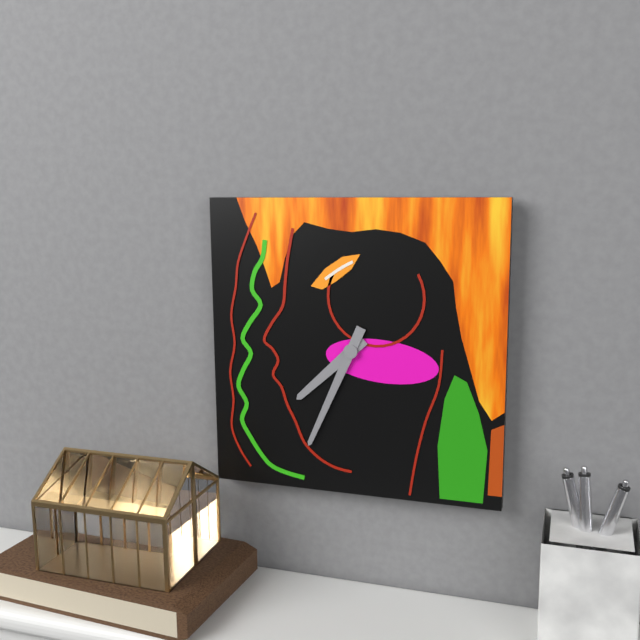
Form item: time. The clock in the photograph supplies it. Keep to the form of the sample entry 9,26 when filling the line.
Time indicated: 7,34
